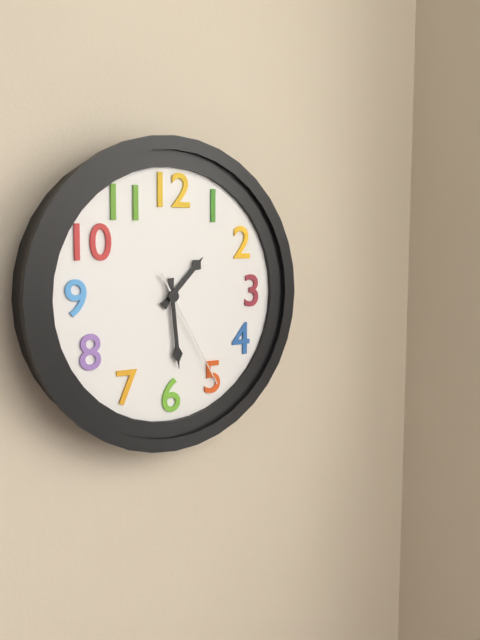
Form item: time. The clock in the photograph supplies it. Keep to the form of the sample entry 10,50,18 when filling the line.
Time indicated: 1,29,25
